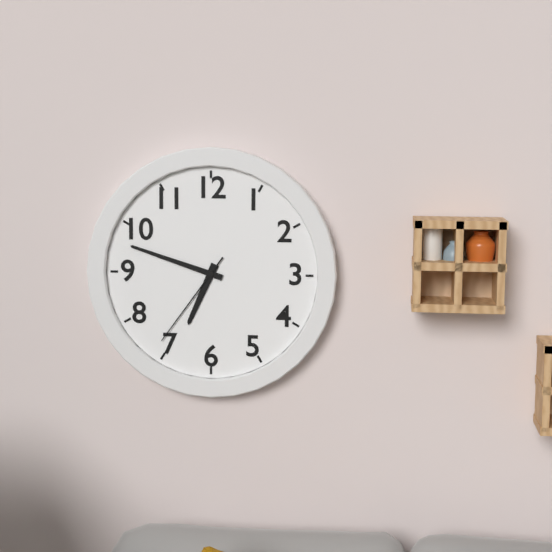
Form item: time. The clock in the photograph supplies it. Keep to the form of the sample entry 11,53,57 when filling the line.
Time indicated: 6,48,36
